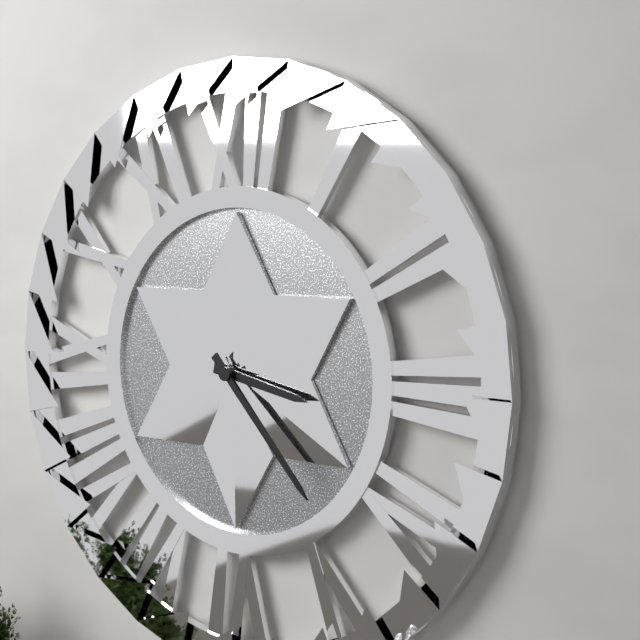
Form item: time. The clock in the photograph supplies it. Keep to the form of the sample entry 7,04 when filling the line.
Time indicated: 3,23
